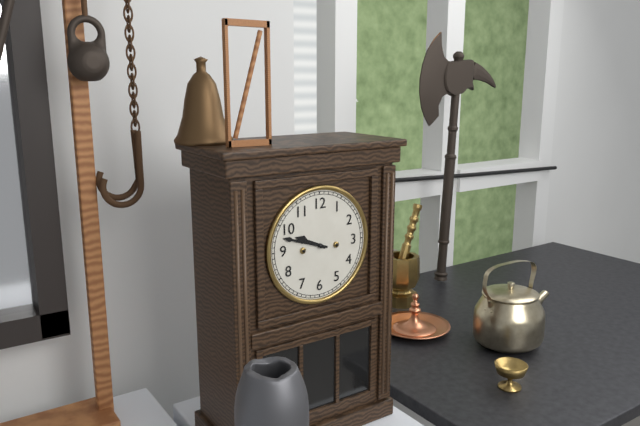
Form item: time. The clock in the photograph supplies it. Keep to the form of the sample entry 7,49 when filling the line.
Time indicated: 9,48
